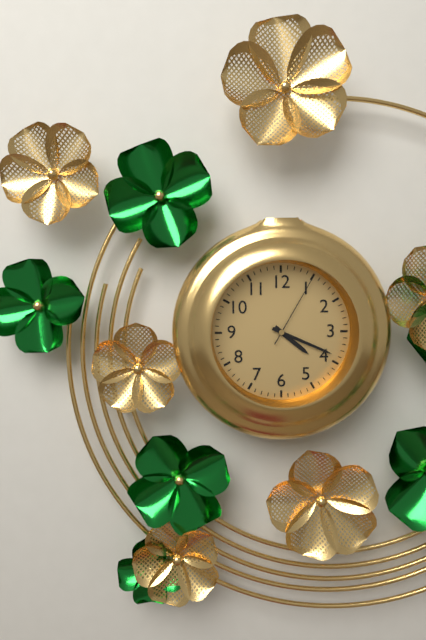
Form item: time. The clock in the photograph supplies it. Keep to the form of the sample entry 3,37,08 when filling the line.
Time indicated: 4,19,05
